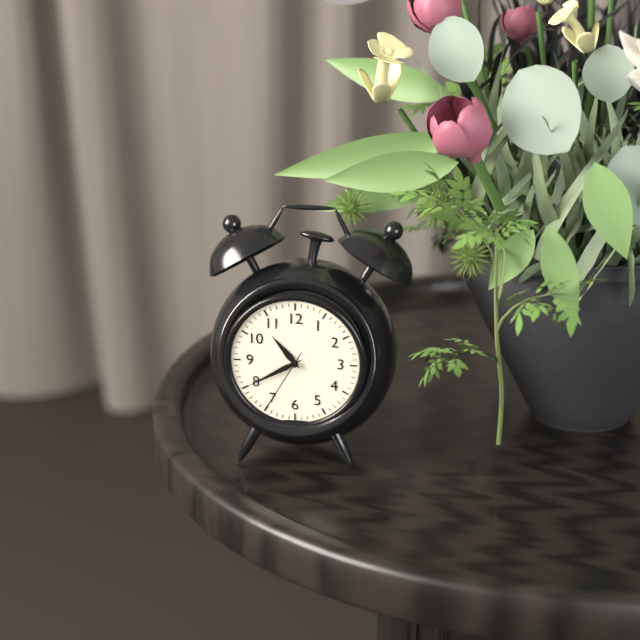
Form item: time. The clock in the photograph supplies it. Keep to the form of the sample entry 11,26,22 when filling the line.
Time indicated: 10,40,35
